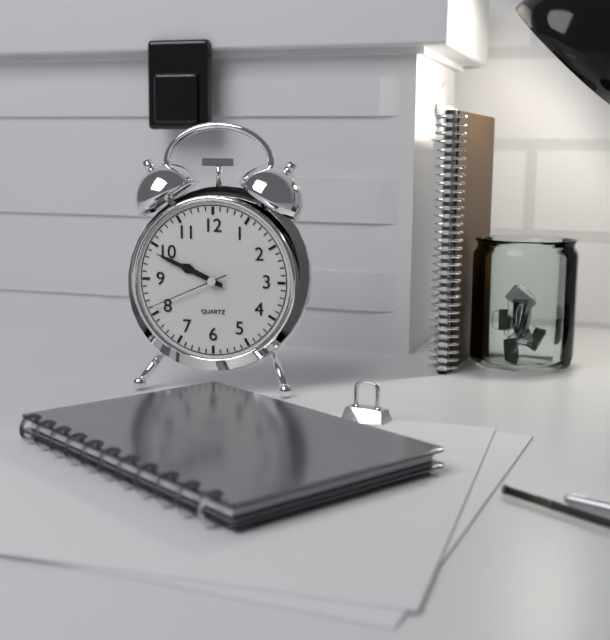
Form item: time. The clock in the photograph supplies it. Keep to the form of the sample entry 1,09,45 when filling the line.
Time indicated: 9,49,41
